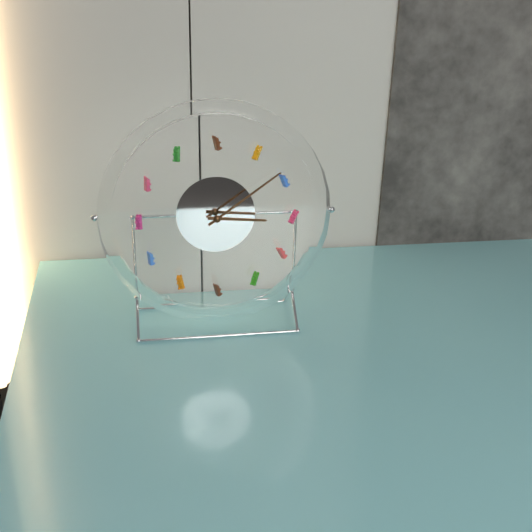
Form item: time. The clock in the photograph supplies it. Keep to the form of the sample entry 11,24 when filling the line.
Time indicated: 3,09
